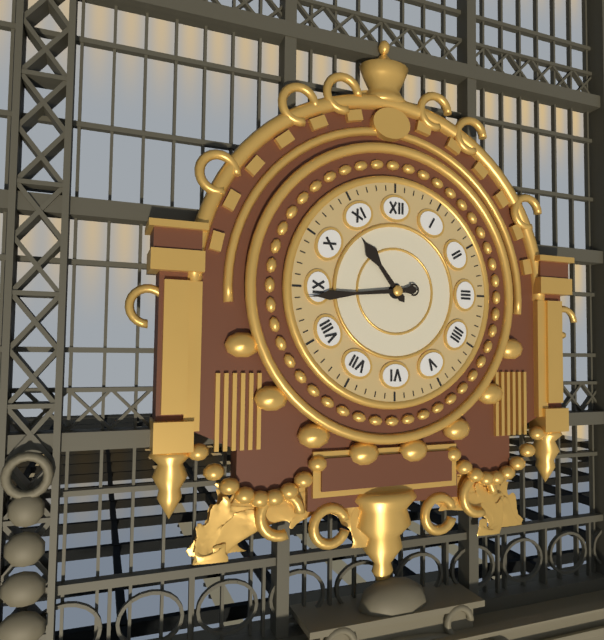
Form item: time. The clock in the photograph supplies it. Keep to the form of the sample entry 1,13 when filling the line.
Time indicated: 10,44
